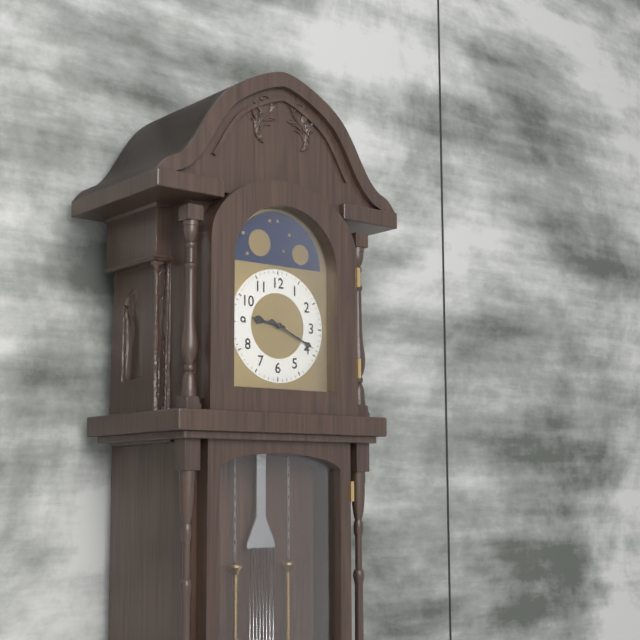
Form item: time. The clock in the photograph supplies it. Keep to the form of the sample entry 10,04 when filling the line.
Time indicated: 9,19
